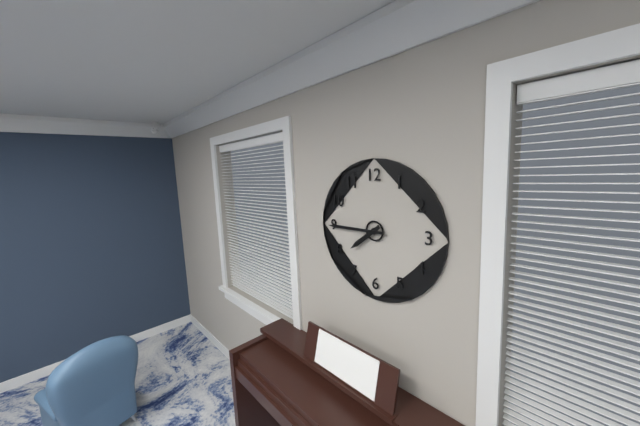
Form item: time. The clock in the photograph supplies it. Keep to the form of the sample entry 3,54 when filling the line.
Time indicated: 7,45
